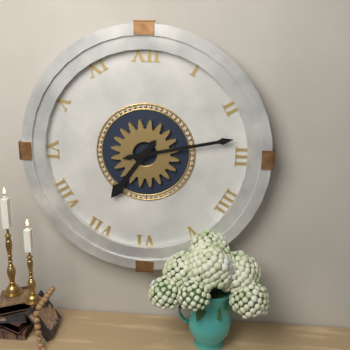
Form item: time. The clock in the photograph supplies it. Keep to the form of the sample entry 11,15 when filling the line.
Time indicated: 7,13
